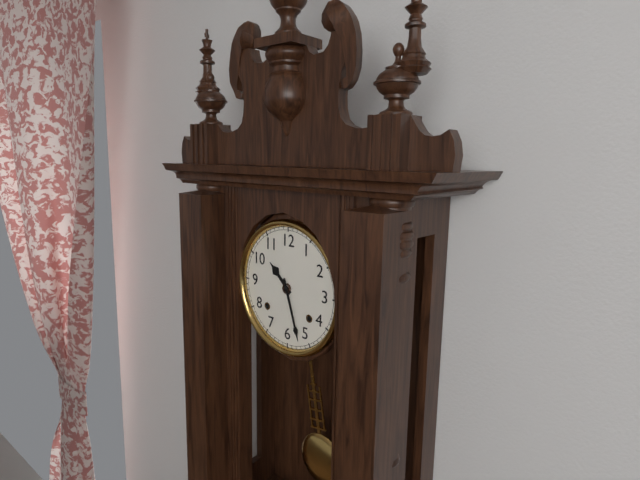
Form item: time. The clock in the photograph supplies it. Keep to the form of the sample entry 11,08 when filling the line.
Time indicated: 10,27
